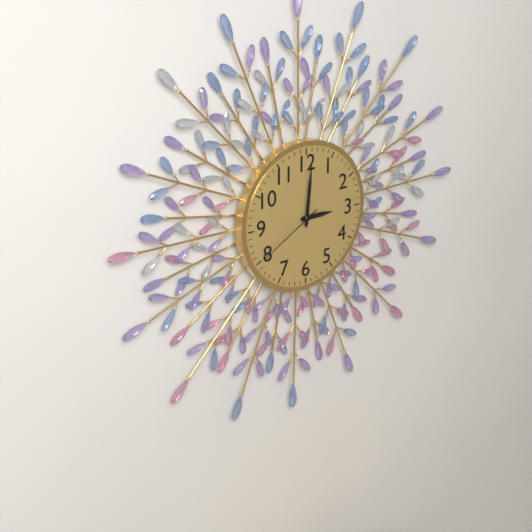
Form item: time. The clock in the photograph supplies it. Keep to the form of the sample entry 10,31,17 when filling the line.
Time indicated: 3,01,40
